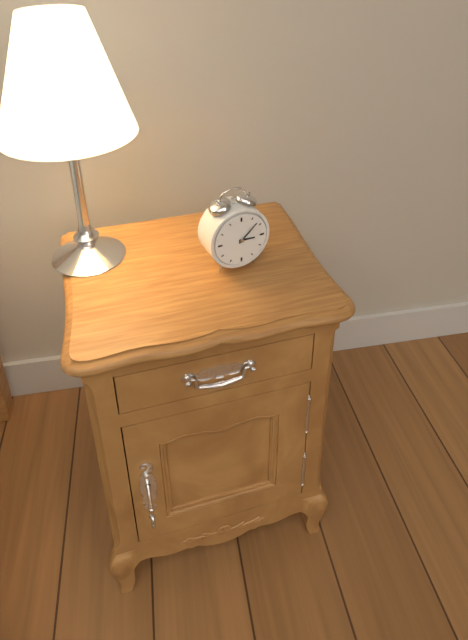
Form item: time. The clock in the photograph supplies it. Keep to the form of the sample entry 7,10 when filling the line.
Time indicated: 3,08
